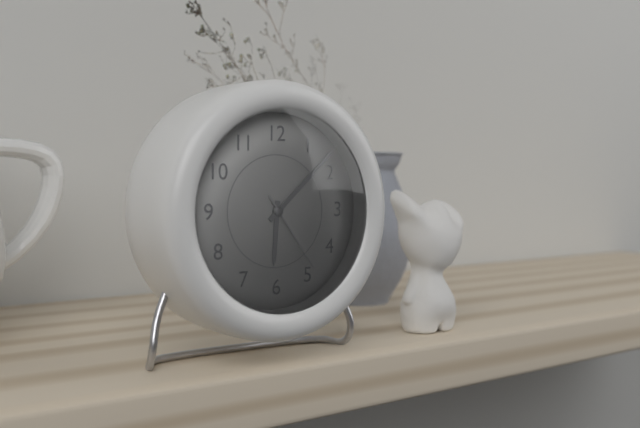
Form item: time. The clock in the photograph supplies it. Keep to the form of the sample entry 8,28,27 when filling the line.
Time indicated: 6,08,24
